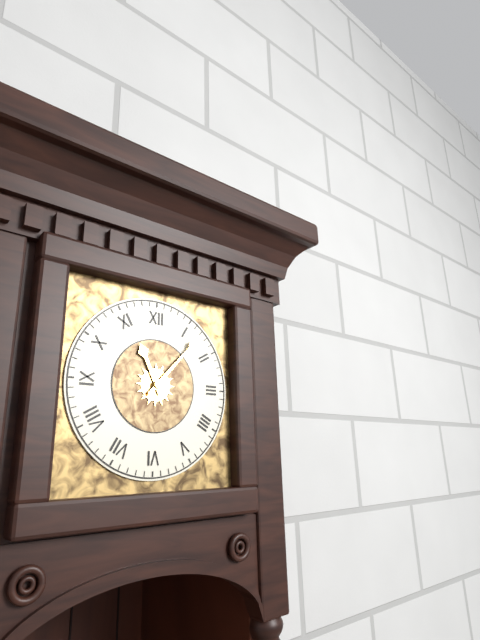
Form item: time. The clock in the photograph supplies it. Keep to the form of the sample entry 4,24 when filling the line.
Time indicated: 11,07
